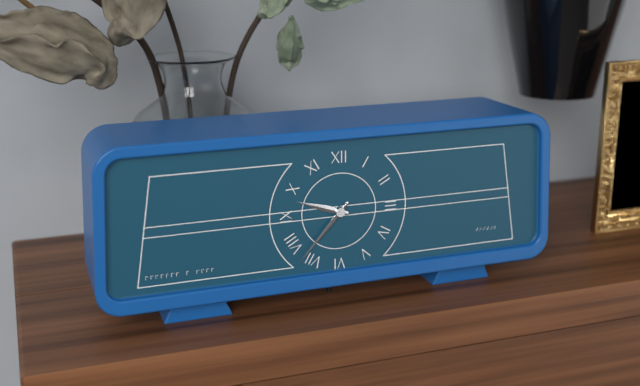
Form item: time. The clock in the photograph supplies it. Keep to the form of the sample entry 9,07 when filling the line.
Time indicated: 9,37
